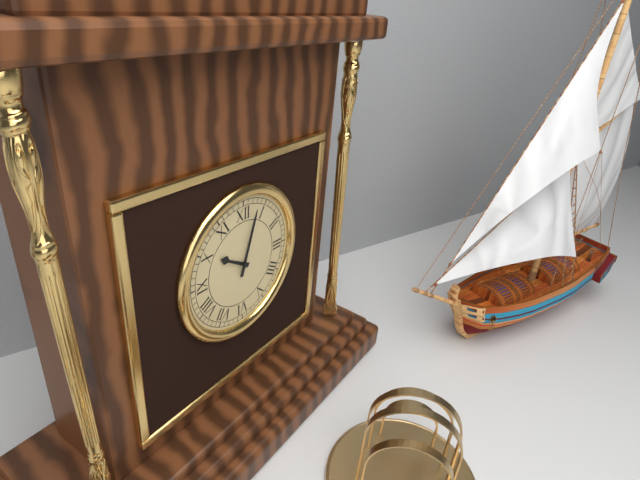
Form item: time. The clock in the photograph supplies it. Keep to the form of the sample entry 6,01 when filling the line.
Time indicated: 10,03
